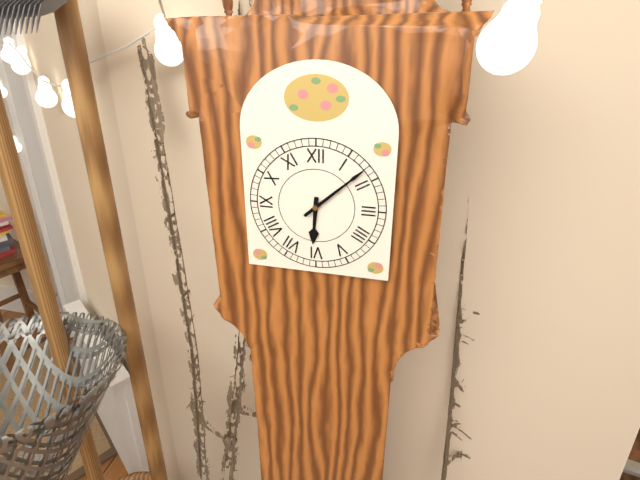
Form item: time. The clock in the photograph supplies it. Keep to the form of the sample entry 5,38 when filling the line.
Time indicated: 6,08
